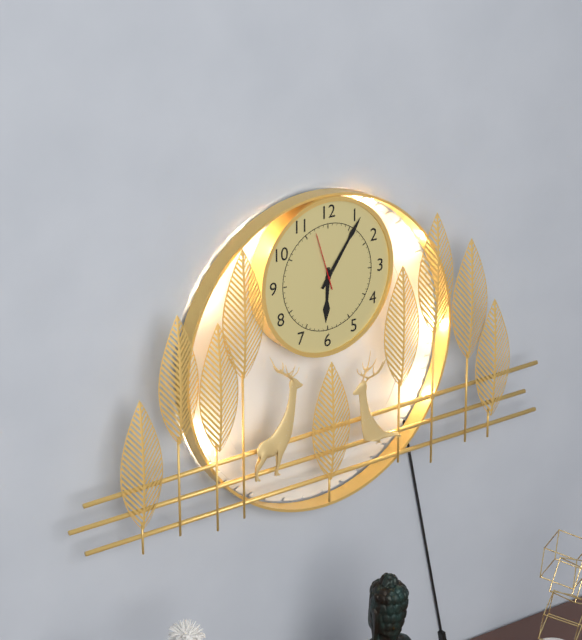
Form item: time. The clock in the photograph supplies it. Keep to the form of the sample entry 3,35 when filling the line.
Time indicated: 6,06
